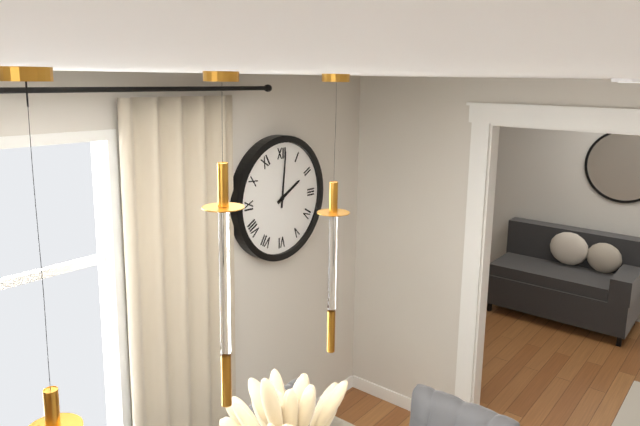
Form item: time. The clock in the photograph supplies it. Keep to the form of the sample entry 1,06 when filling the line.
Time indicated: 2,01
